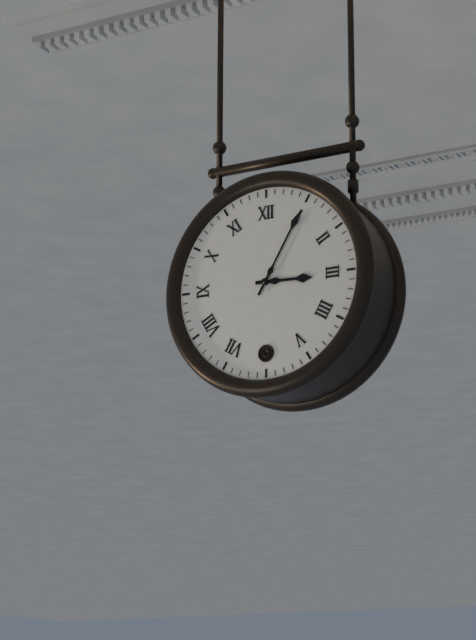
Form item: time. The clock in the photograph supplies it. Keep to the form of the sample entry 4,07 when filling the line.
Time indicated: 3,05
